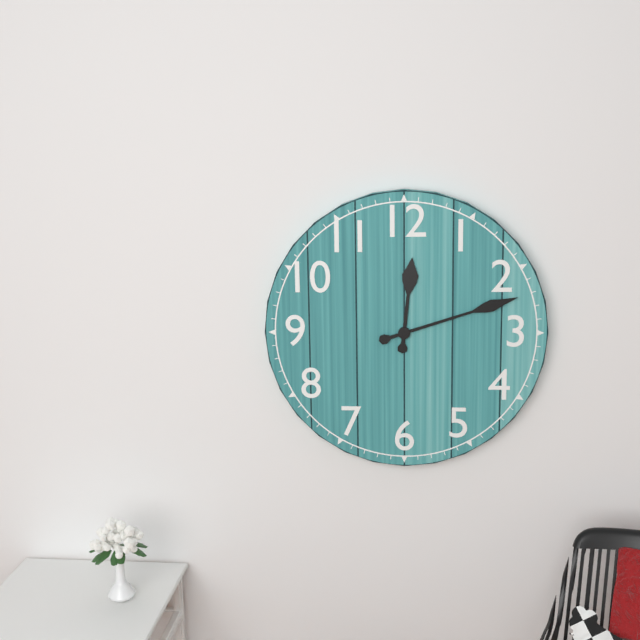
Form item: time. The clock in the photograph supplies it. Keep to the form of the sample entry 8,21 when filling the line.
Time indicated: 12,12
